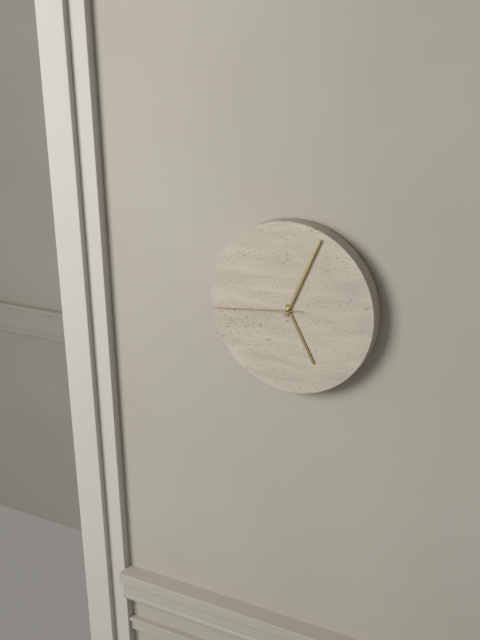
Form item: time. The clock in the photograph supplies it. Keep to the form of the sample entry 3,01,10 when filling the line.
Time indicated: 5,04,44
